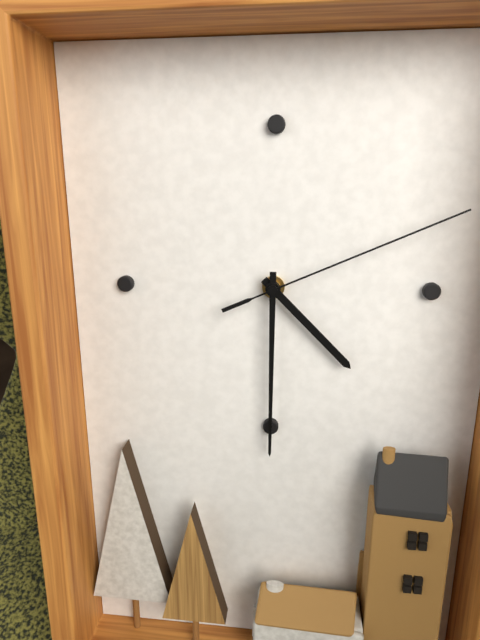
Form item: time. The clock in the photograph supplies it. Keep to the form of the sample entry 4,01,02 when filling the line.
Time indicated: 4,30,11
